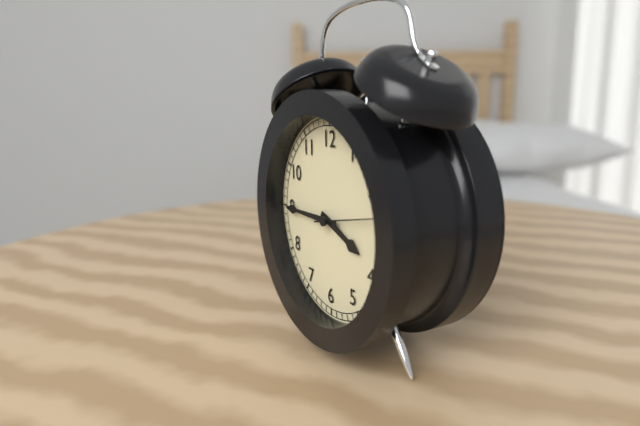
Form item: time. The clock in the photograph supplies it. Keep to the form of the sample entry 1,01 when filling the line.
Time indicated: 3,45
